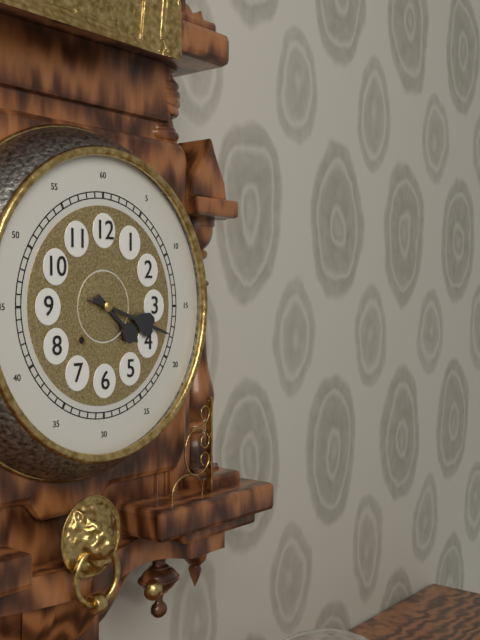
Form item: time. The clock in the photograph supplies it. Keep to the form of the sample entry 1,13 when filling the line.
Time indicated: 4,18
